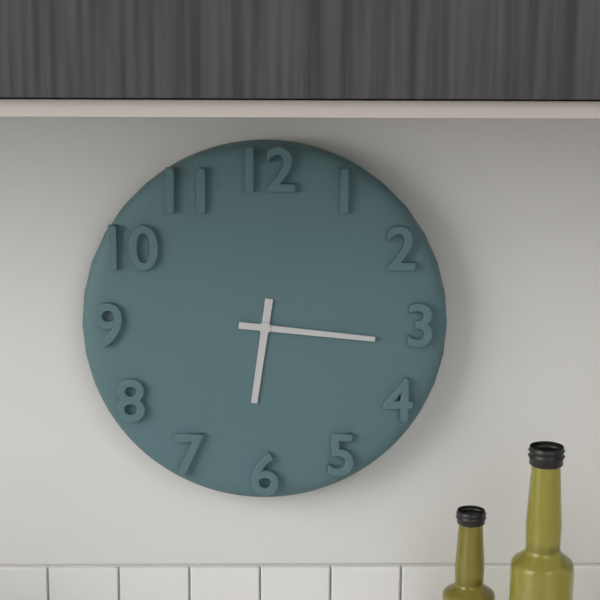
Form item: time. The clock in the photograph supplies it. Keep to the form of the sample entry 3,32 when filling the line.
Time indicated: 6,16
